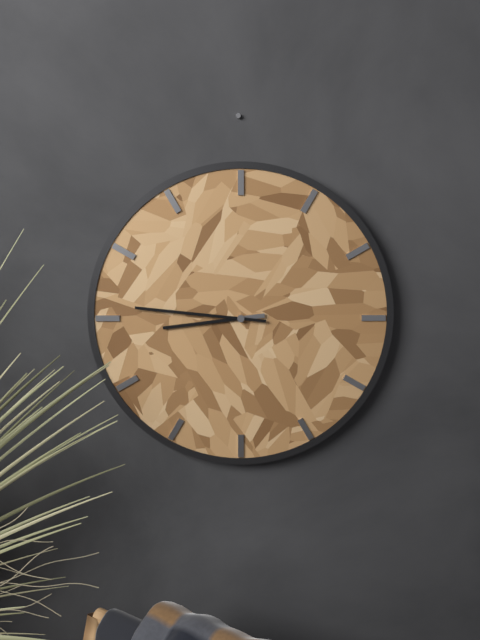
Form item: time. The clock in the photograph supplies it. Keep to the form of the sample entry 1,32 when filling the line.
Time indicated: 8,46
